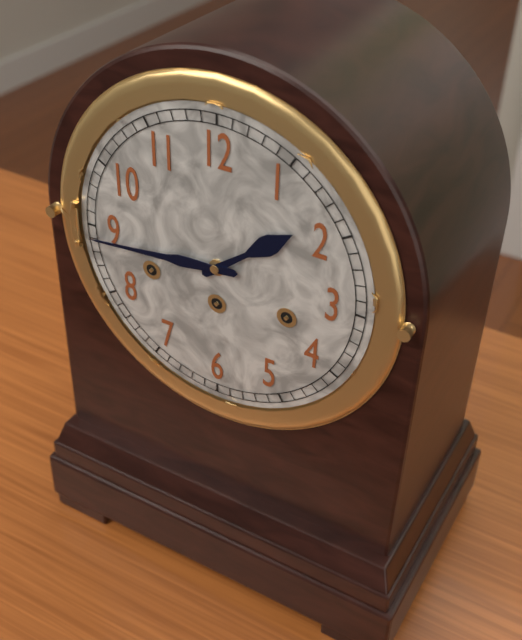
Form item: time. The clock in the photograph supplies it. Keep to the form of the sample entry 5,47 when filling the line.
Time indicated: 1,44
